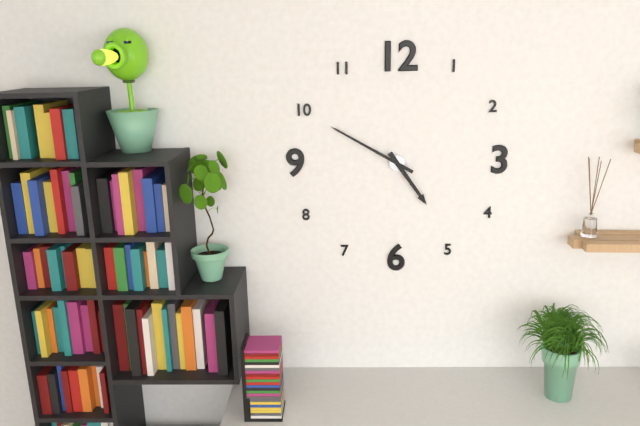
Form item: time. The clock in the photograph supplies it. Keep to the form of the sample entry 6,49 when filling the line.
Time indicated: 4,50
